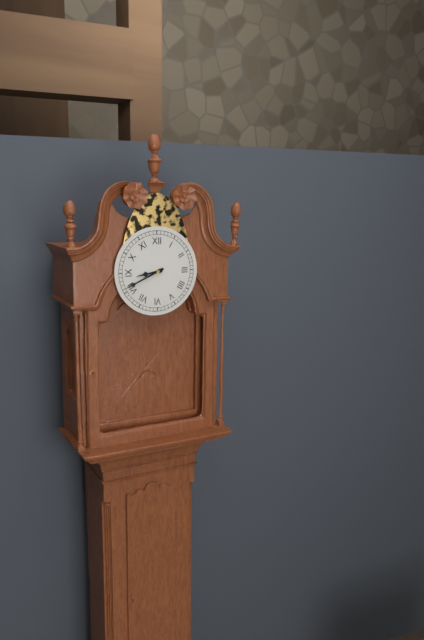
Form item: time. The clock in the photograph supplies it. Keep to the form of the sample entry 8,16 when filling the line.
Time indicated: 8,41
